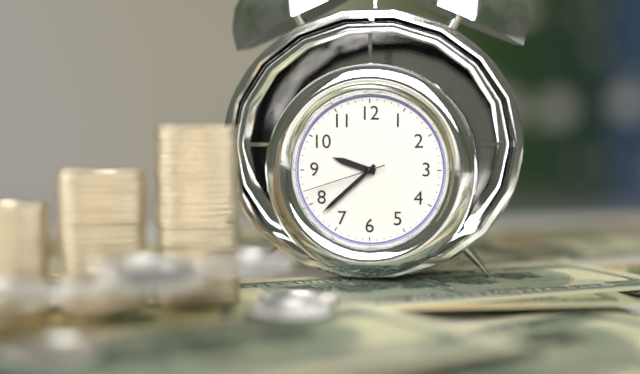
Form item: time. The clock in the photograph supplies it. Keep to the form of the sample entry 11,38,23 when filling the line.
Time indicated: 9,38,42
